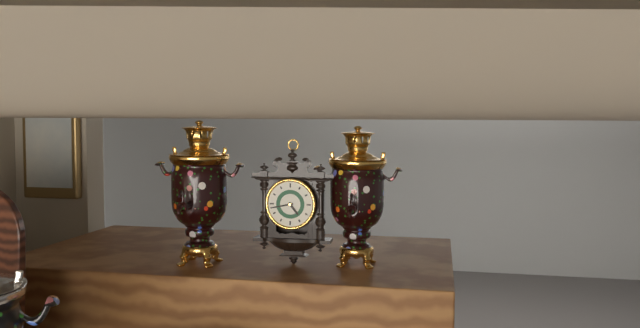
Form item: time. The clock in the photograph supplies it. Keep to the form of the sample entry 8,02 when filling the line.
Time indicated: 4,43
